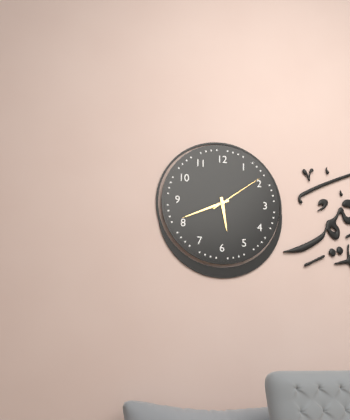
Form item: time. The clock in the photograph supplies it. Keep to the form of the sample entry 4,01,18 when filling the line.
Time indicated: 5,41,09
